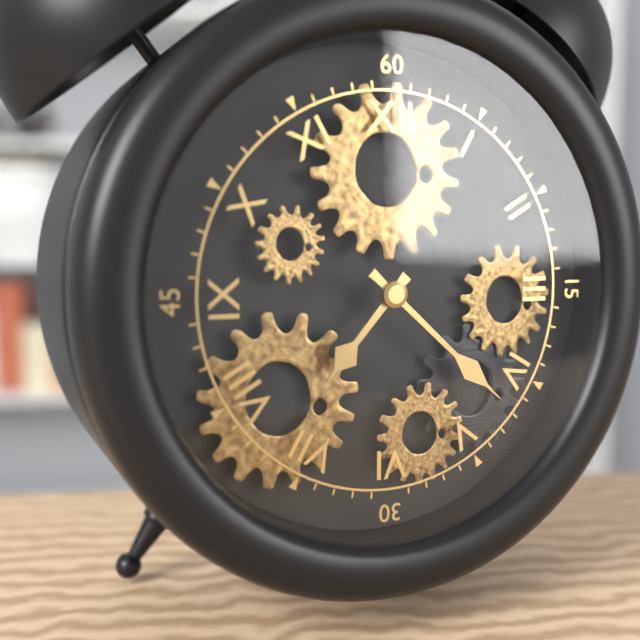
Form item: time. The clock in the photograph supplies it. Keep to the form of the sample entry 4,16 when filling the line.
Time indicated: 7,22
